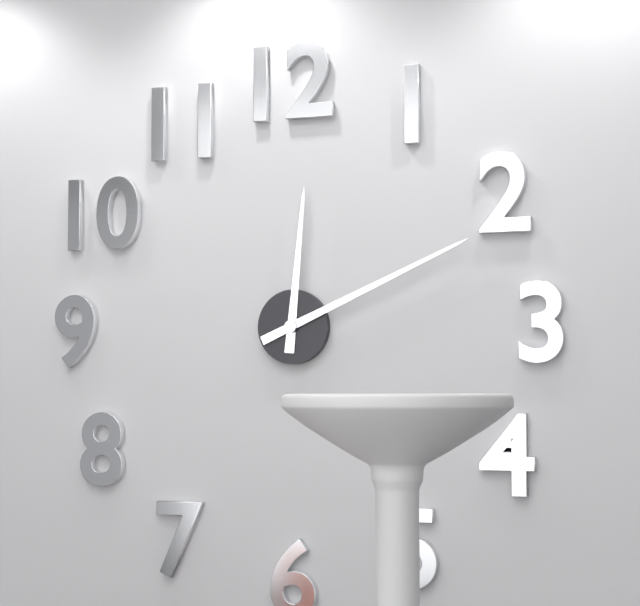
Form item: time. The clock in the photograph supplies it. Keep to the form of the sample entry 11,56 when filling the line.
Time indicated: 12,11
